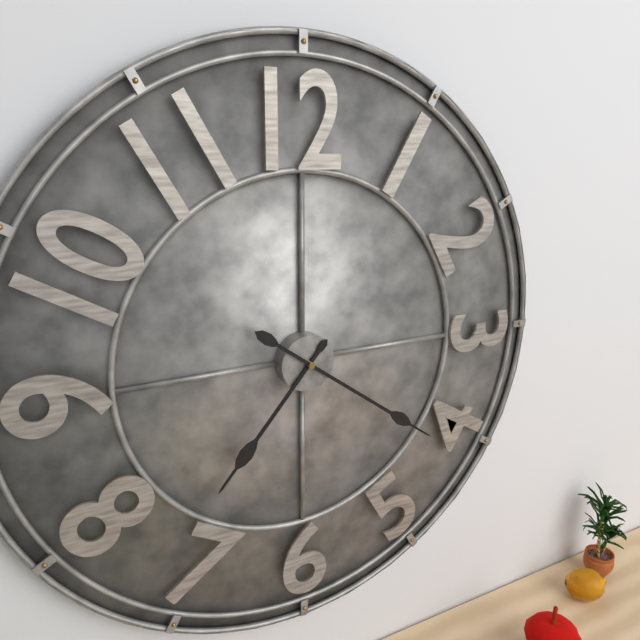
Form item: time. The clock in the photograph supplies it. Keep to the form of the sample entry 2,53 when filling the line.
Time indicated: 7,21
